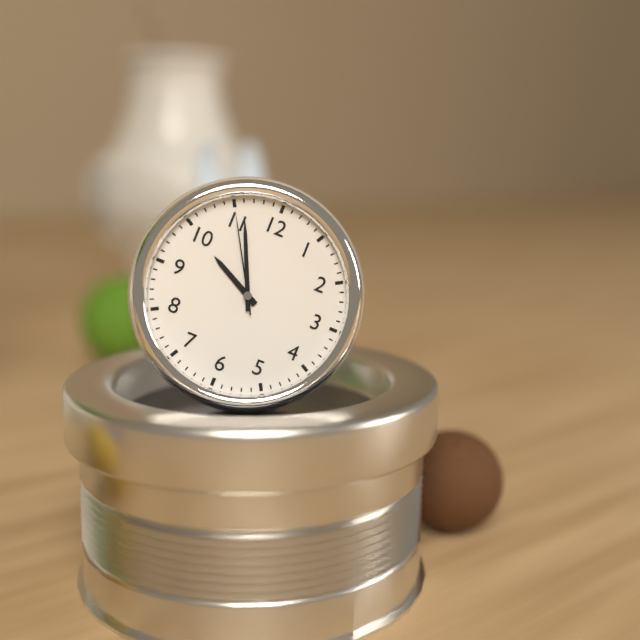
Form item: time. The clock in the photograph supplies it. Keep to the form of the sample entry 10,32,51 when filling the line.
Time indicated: 9,56,55
